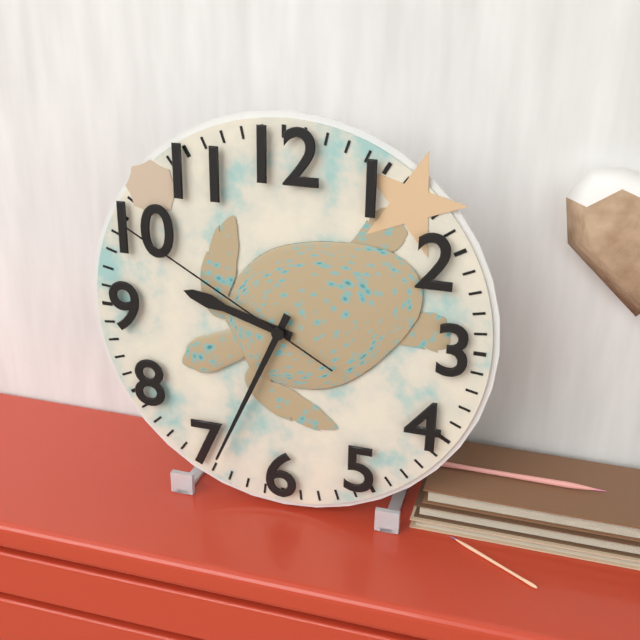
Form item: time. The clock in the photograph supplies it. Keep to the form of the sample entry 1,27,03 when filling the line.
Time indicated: 9,34,50
